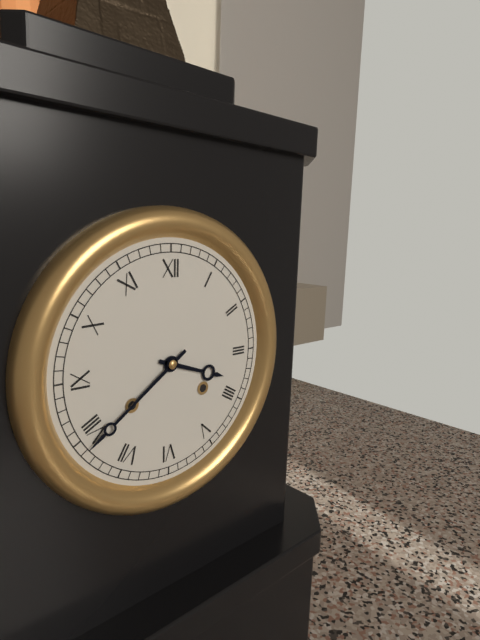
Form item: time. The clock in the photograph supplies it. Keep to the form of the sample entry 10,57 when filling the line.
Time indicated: 3,39
